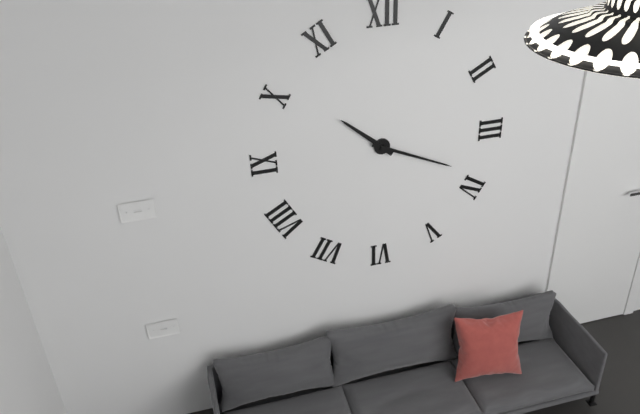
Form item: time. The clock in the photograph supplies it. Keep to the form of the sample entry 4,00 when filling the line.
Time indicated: 10,19
